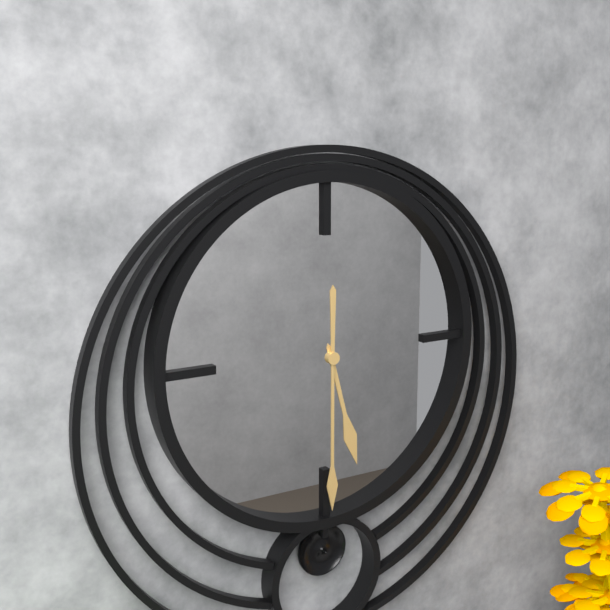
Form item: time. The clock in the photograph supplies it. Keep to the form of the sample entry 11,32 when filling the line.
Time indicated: 5,30
